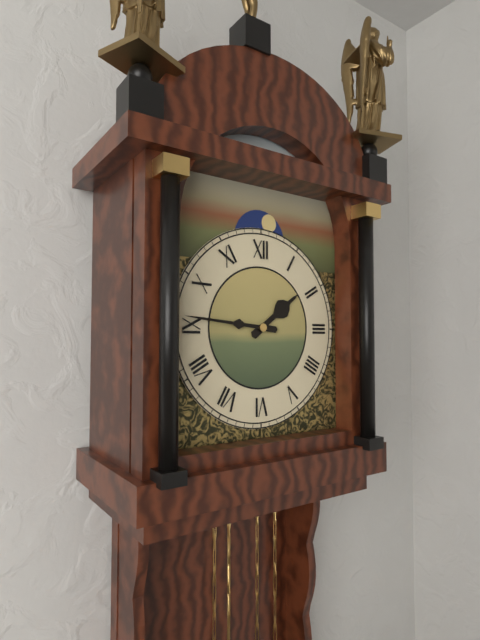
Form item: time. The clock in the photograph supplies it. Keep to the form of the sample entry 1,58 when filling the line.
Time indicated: 1,46
